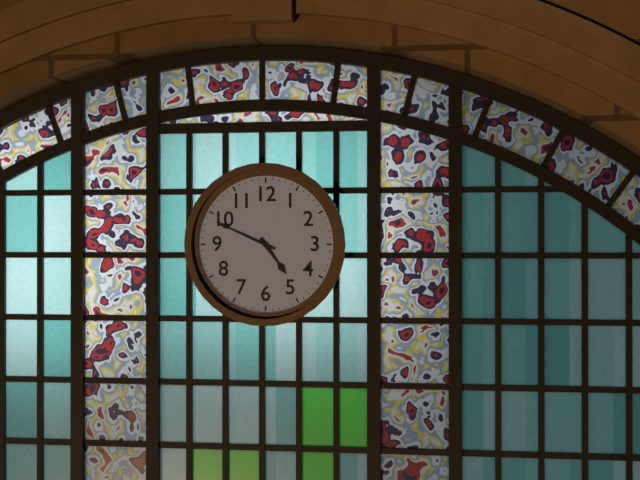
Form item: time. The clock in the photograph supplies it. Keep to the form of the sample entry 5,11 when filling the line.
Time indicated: 4,49
